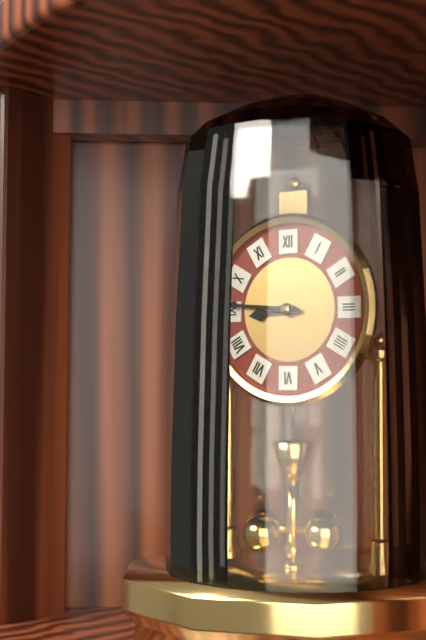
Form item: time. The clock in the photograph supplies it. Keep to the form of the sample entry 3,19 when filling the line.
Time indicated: 8,46
